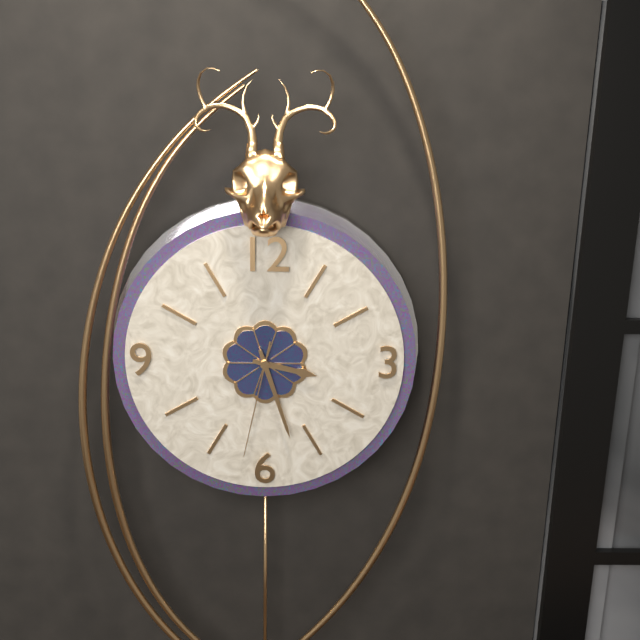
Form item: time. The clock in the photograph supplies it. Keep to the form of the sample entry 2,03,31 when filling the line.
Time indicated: 3,27,32
